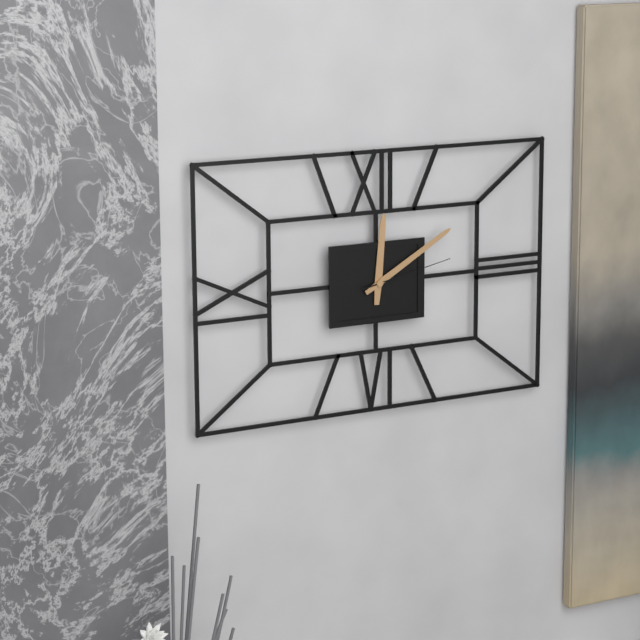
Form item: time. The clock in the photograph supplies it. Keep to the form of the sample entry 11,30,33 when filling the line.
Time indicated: 12,10,13
